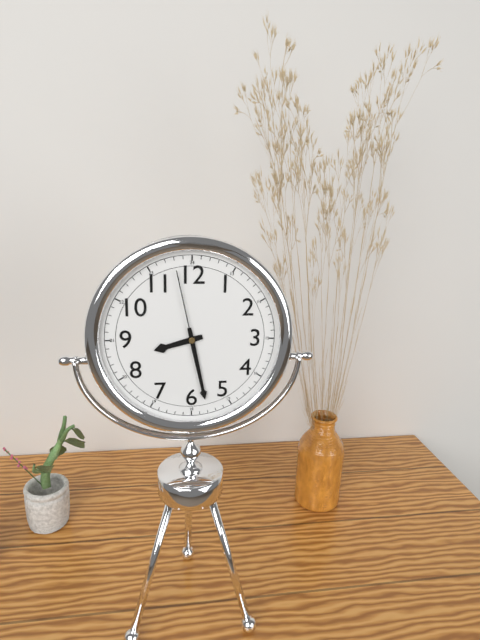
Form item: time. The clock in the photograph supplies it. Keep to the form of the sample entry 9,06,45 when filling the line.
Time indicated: 8,28,58
